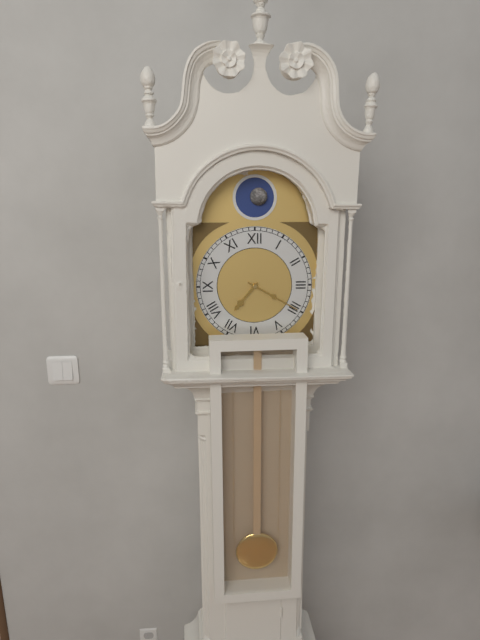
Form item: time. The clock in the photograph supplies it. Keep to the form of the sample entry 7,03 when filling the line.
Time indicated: 7,20
